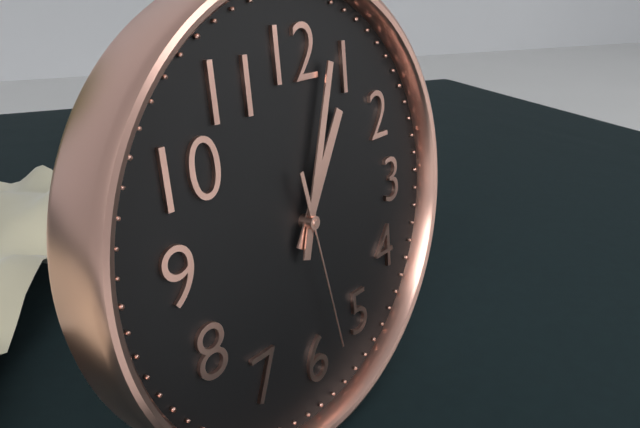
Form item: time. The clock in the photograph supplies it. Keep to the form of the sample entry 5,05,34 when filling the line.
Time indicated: 1,03,28
